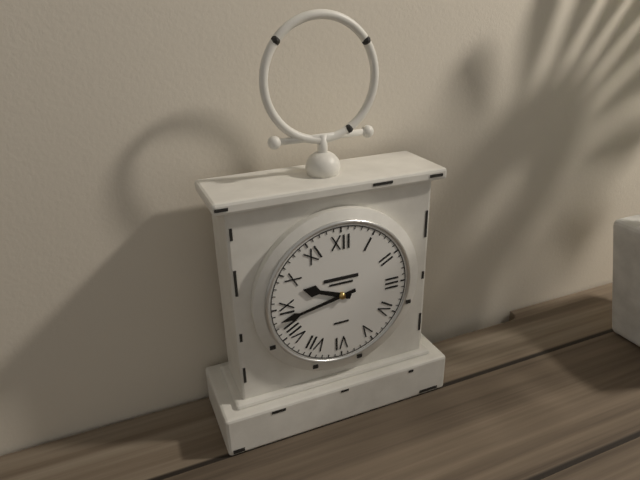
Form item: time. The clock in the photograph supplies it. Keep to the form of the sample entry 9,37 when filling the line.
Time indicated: 9,43
